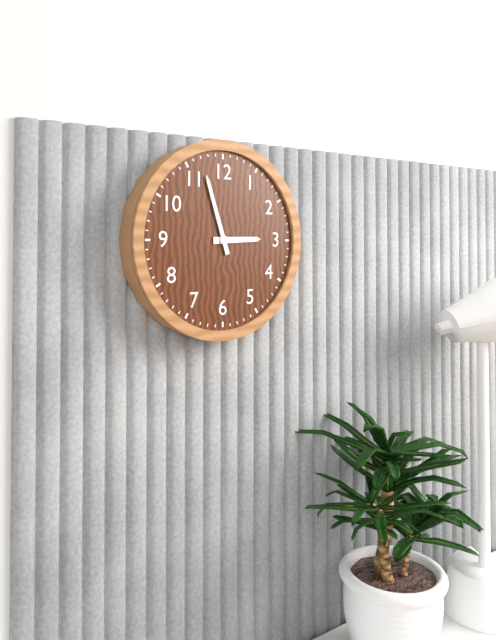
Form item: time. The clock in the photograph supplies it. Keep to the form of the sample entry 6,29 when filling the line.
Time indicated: 2,57
